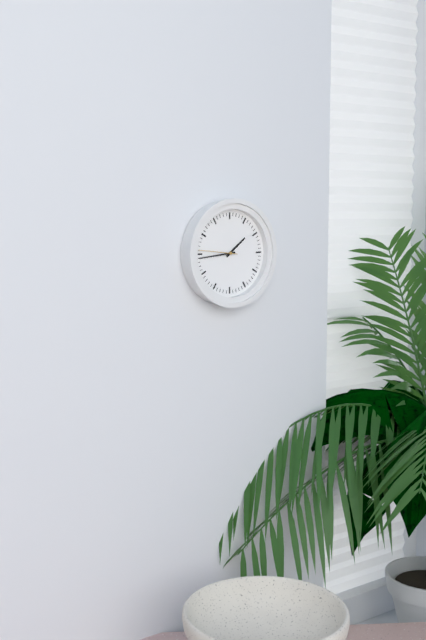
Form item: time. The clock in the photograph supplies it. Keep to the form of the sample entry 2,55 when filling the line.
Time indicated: 1,44
